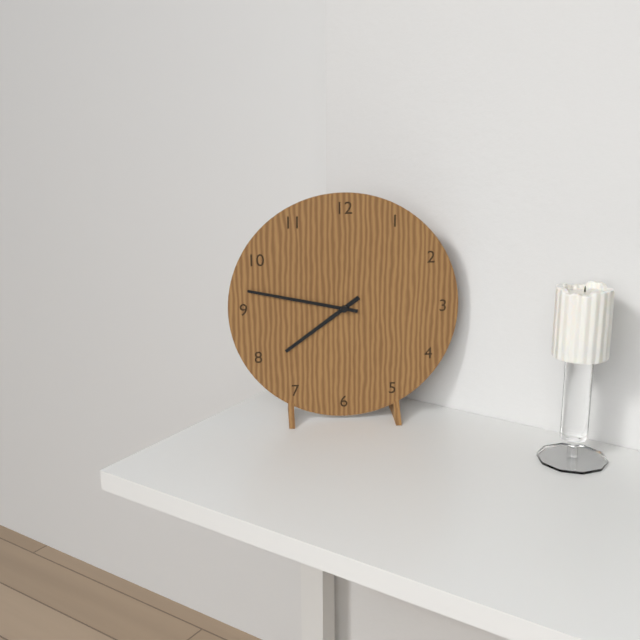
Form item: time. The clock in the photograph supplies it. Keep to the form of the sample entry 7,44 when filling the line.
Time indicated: 7,47
